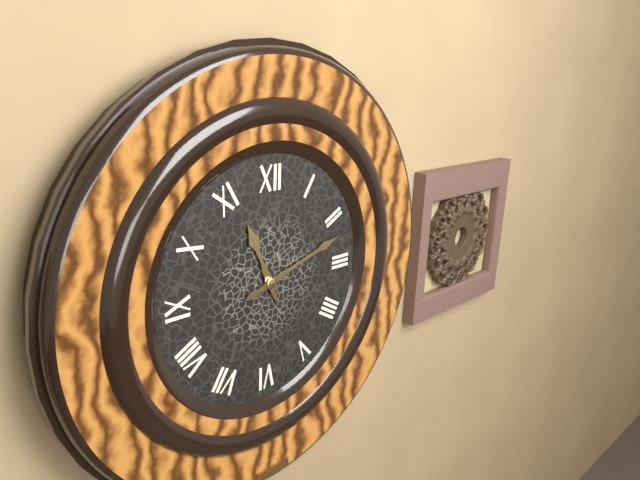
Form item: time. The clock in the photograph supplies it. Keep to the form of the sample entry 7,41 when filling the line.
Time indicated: 11,12
